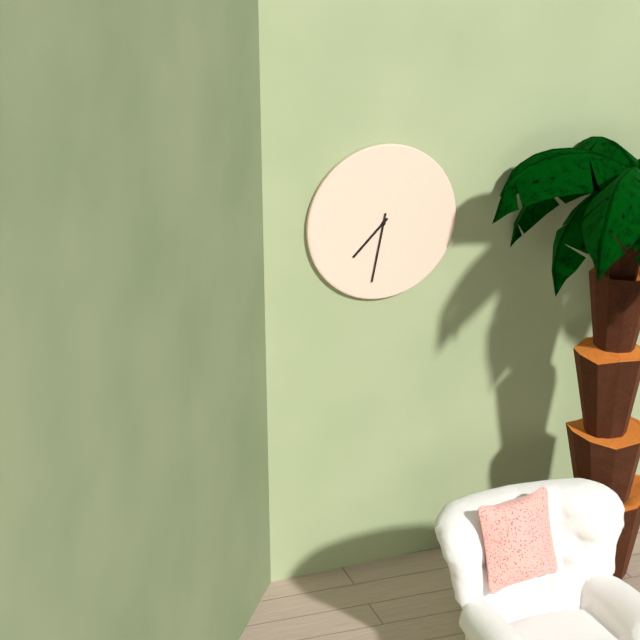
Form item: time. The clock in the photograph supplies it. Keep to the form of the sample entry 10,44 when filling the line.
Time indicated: 7,32
